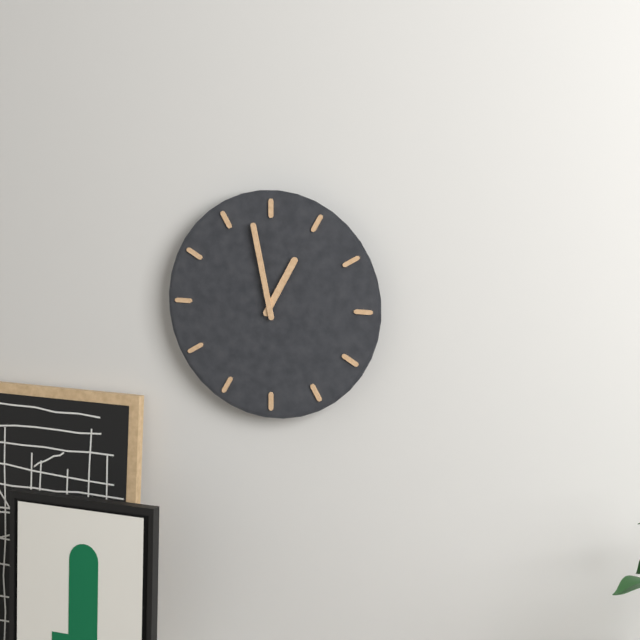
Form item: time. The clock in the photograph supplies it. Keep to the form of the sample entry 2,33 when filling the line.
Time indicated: 12,58
